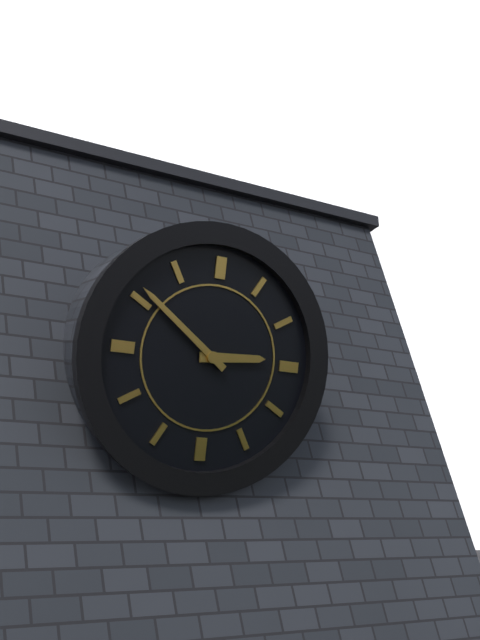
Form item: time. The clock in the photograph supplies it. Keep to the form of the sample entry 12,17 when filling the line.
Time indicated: 2,51
